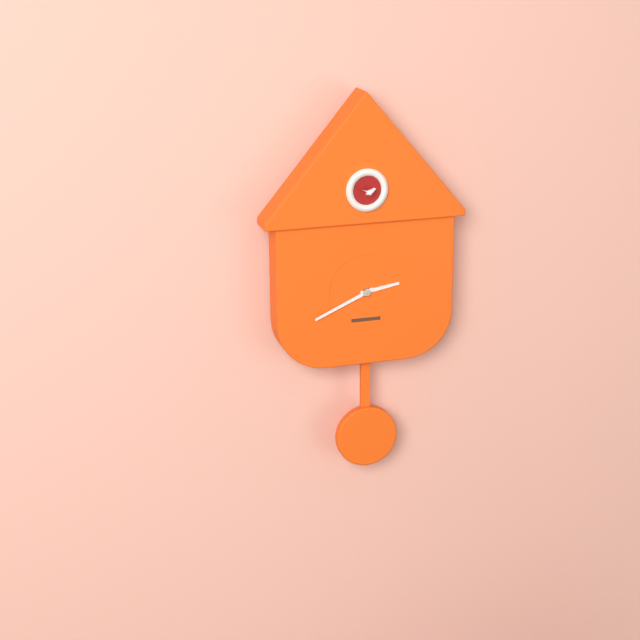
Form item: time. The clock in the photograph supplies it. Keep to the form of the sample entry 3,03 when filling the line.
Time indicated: 2,41
